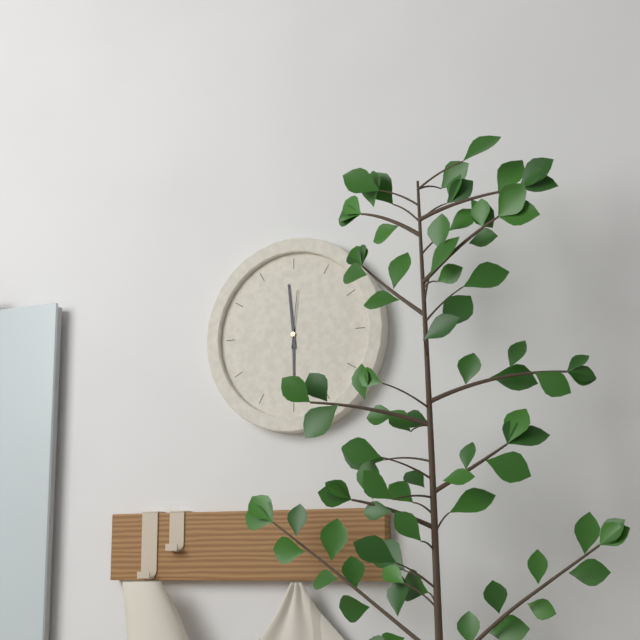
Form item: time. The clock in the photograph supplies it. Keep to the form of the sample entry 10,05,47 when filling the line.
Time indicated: 5,59,01
